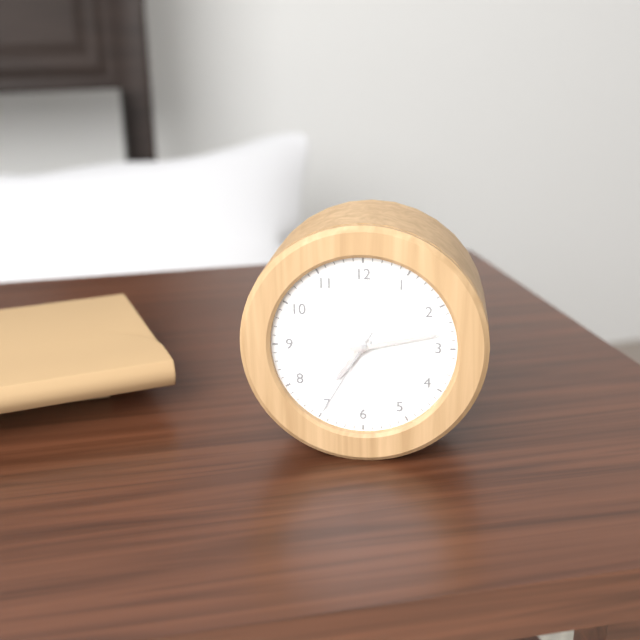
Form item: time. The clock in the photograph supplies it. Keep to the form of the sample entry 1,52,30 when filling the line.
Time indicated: 7,13,35
